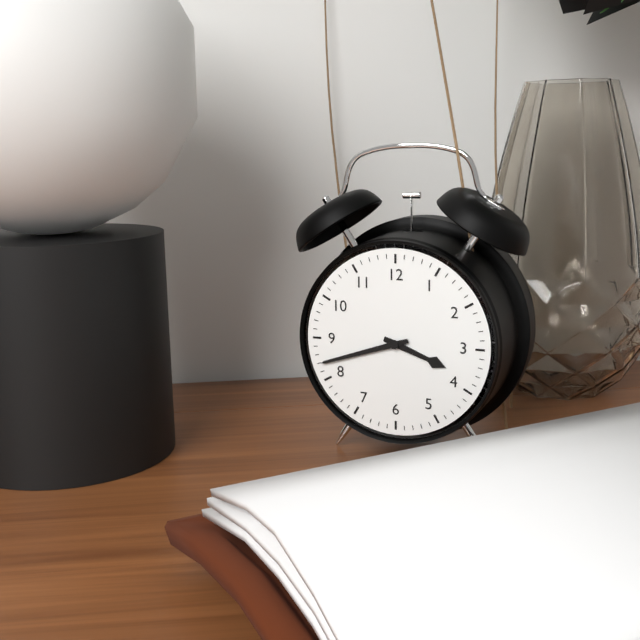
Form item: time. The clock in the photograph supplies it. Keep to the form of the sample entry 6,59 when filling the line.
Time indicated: 3,42
